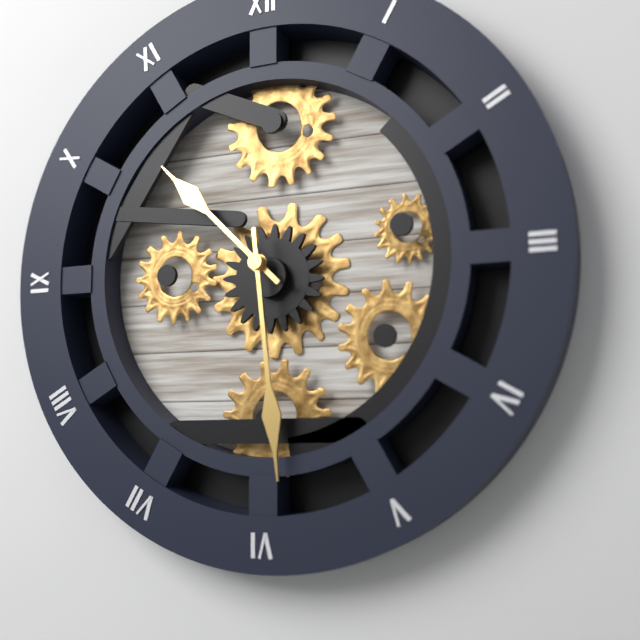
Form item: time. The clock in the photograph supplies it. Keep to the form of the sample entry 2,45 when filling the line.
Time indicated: 10,29
